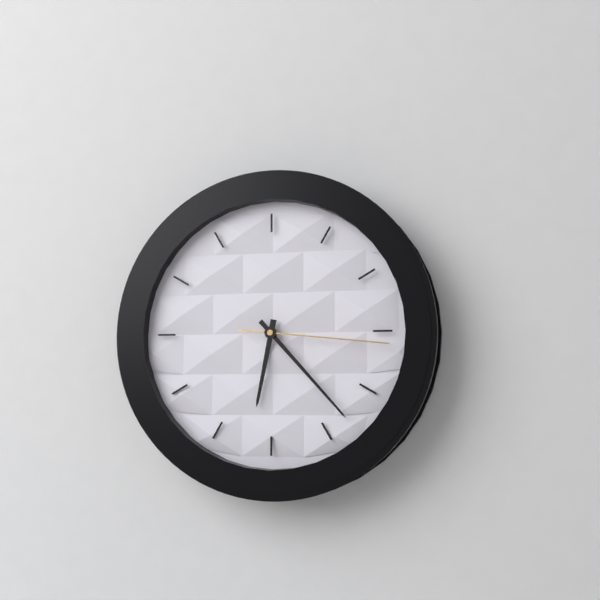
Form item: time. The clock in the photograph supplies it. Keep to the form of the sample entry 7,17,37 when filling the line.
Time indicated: 6,23,16
